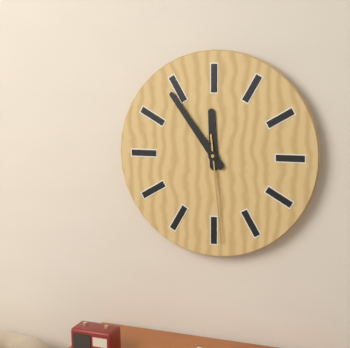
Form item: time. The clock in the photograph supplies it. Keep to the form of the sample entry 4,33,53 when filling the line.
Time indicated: 11,54,29
